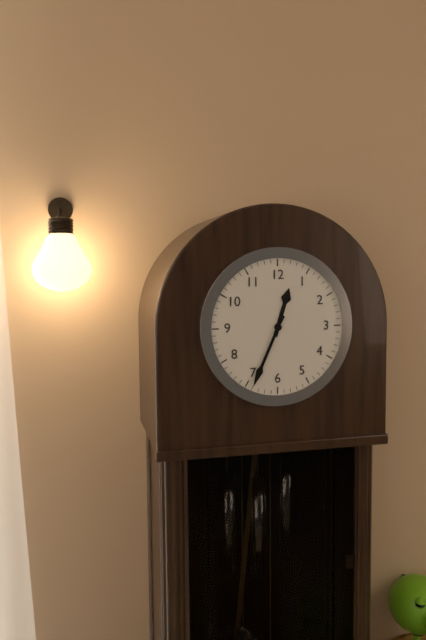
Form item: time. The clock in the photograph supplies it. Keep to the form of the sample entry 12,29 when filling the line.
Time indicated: 12,34
